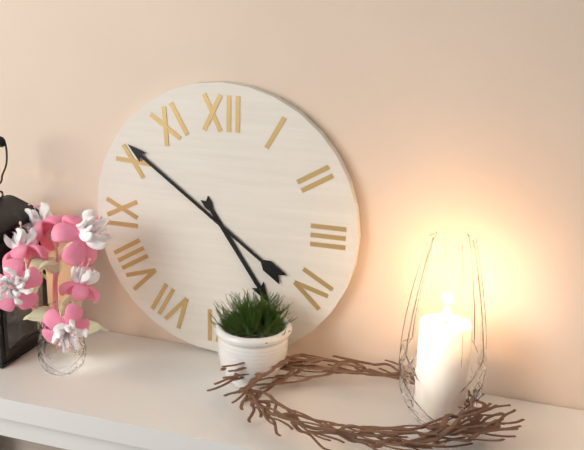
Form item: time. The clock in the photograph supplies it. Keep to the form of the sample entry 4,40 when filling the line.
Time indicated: 4,51
